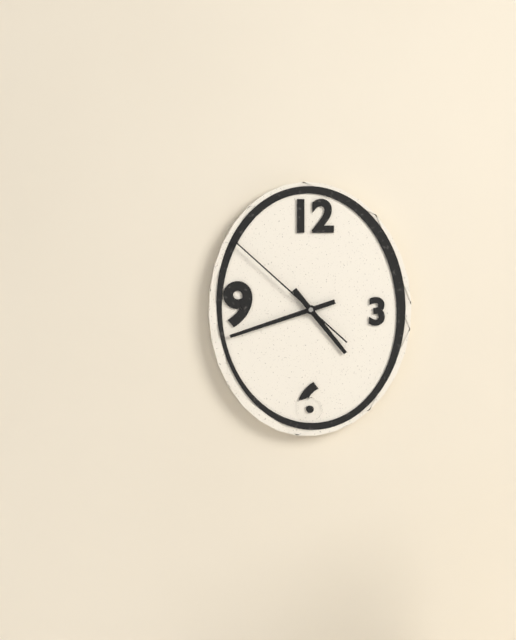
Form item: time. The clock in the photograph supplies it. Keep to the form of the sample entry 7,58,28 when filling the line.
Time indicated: 4,42,52
